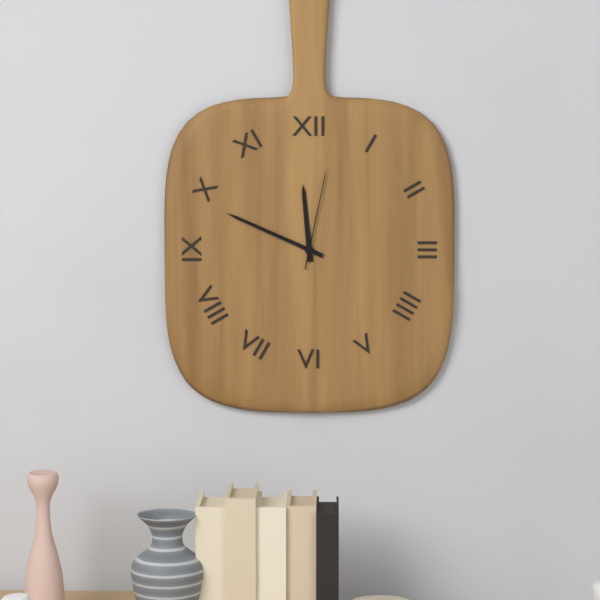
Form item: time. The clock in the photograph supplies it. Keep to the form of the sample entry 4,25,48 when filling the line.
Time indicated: 11,49,02
